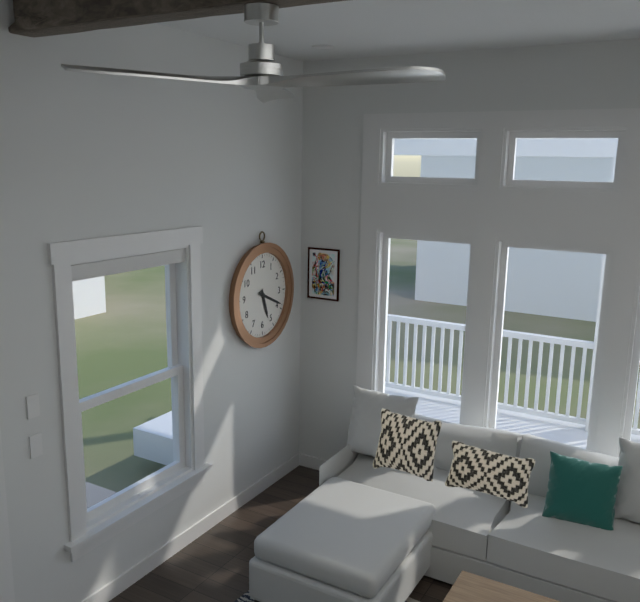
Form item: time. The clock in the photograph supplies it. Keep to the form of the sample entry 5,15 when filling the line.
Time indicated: 5,19
